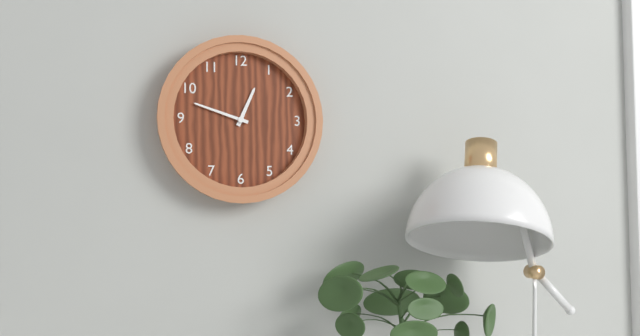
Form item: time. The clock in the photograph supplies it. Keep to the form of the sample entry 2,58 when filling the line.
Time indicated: 12,48
